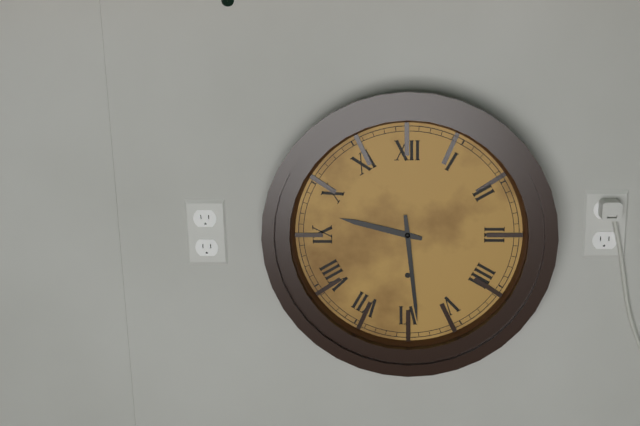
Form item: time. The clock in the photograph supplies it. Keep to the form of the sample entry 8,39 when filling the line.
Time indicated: 9,29
